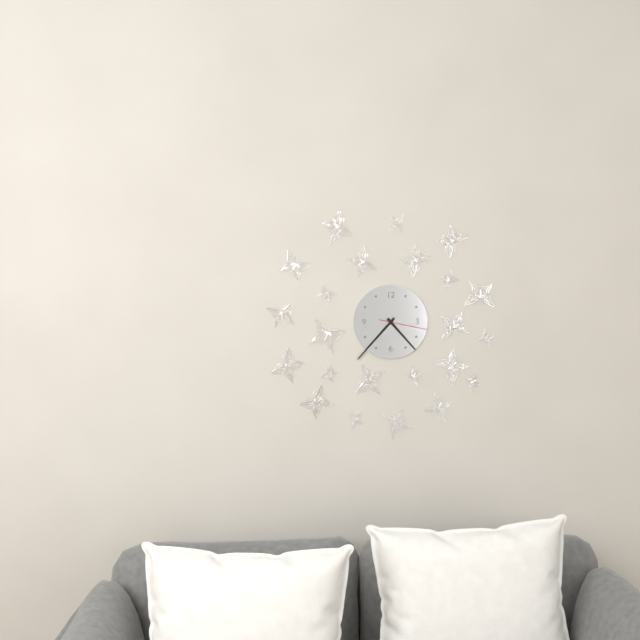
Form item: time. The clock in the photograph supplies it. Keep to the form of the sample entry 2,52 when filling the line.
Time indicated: 4,37
